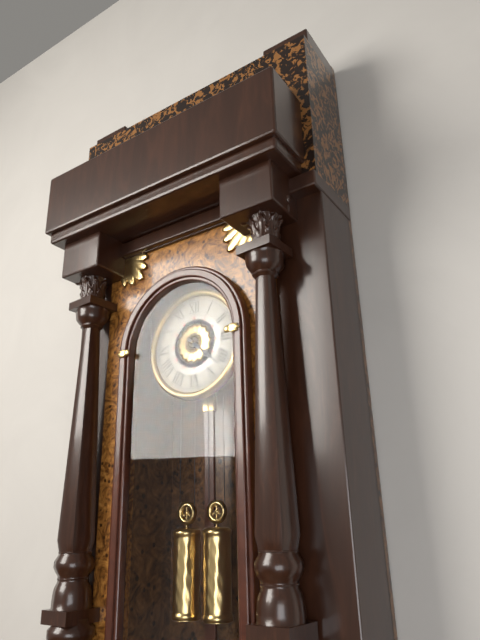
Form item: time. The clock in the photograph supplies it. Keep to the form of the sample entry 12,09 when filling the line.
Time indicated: 4,22
